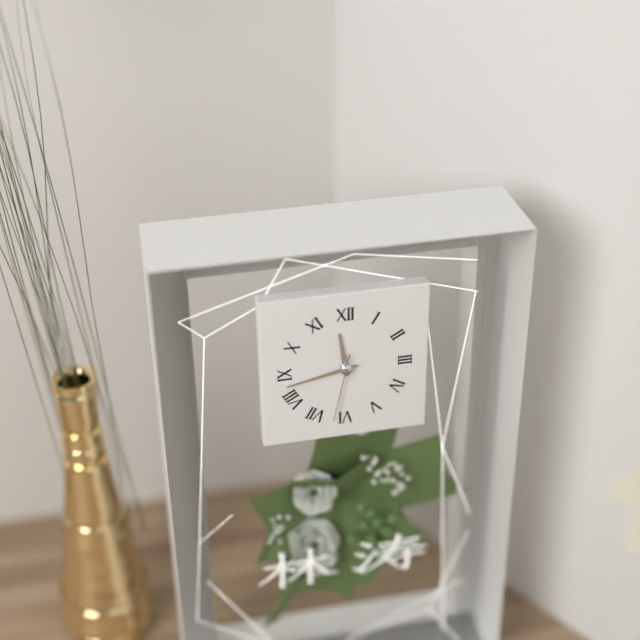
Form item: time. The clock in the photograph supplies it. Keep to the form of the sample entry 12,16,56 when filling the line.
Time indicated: 11,43,32
